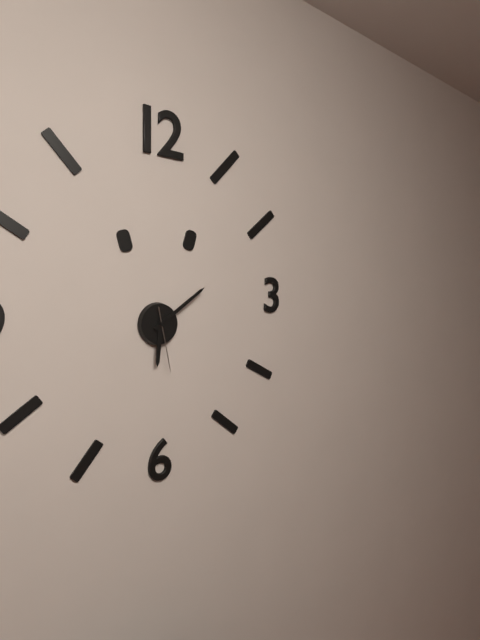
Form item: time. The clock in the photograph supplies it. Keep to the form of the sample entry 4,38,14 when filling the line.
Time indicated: 6,09,28
